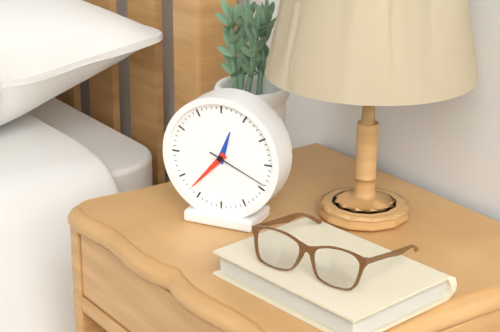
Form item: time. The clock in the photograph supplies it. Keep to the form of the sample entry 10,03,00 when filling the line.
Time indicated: 12,37,19
